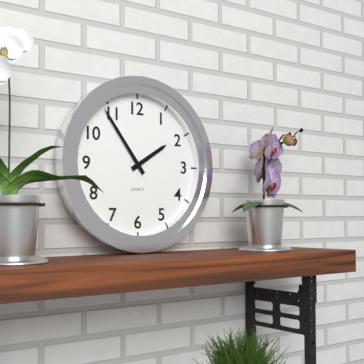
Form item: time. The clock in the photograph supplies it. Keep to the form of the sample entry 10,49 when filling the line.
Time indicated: 1,54
